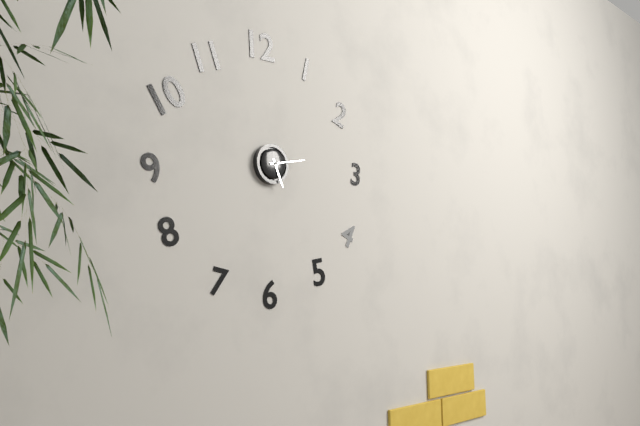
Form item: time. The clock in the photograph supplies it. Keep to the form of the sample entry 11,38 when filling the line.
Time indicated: 5,13
